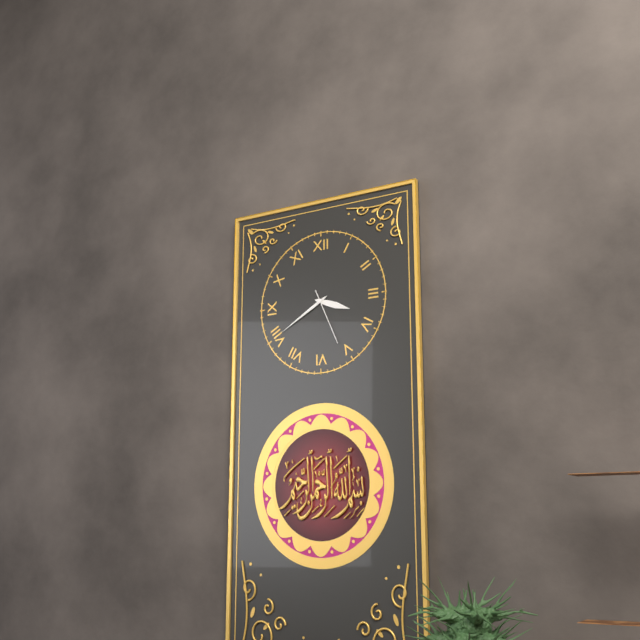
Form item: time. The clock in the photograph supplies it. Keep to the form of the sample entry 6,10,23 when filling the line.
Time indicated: 3,40,26
